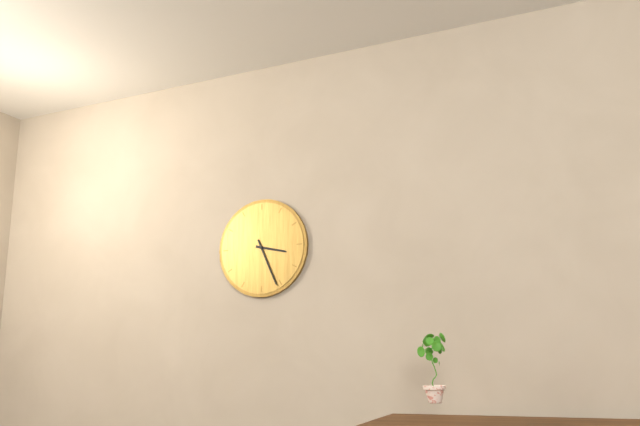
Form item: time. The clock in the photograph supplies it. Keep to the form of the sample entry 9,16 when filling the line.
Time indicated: 3,26
